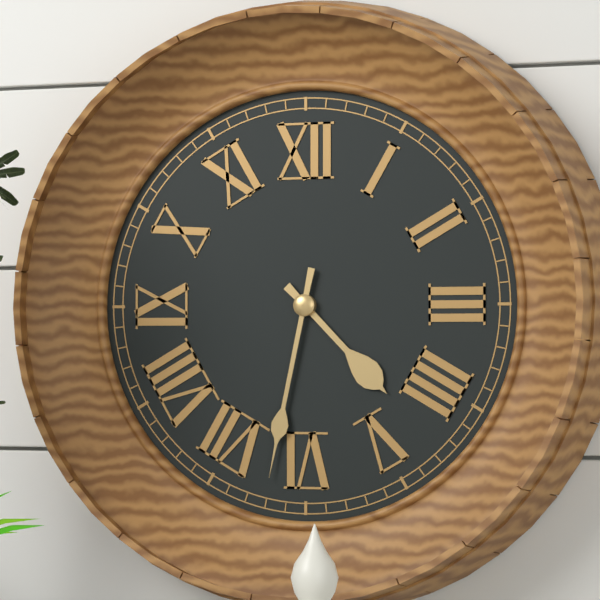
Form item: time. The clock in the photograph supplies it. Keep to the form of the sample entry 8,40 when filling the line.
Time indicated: 4,32
